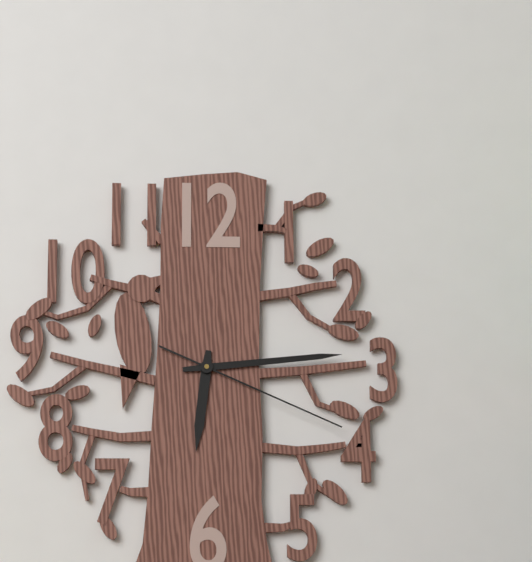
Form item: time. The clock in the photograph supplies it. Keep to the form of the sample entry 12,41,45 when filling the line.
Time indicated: 6,14,19
